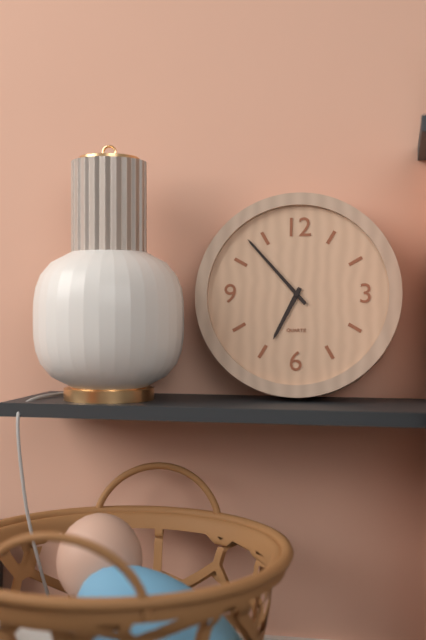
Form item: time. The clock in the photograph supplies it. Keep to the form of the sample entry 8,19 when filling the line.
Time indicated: 6,53
